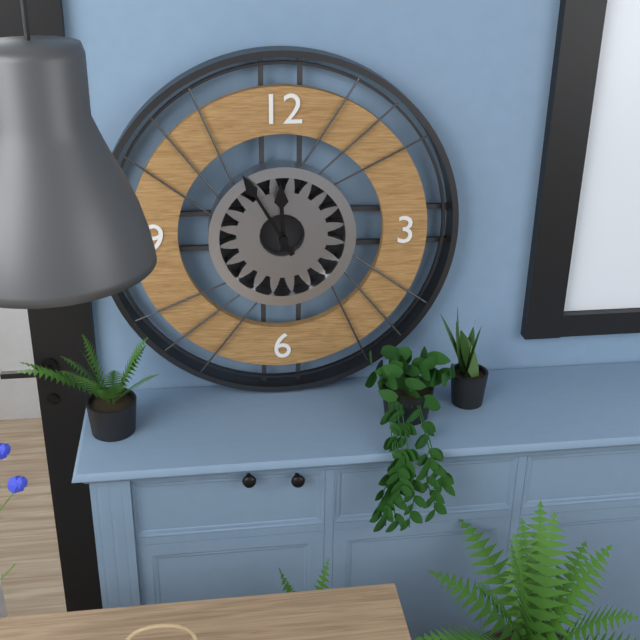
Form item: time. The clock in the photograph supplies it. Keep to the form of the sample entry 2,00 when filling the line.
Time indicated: 11,55
